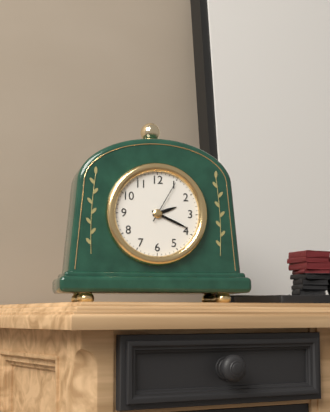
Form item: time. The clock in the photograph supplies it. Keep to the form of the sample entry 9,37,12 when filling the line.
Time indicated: 2,19,05
